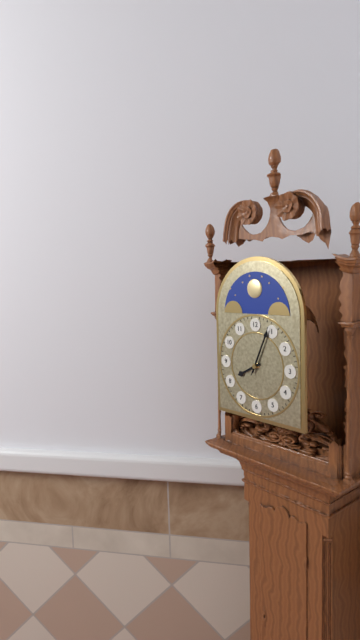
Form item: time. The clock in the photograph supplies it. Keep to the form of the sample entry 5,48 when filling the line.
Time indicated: 8,04
